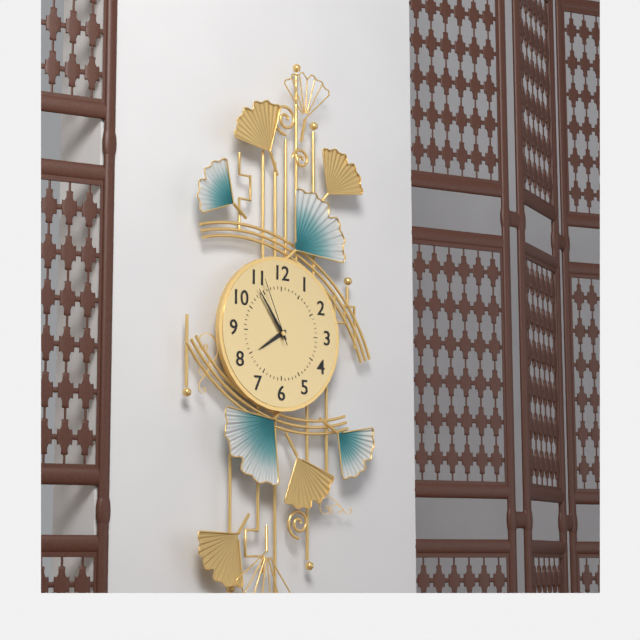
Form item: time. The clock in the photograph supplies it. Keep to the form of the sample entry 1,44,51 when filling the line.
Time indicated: 7,54,56
